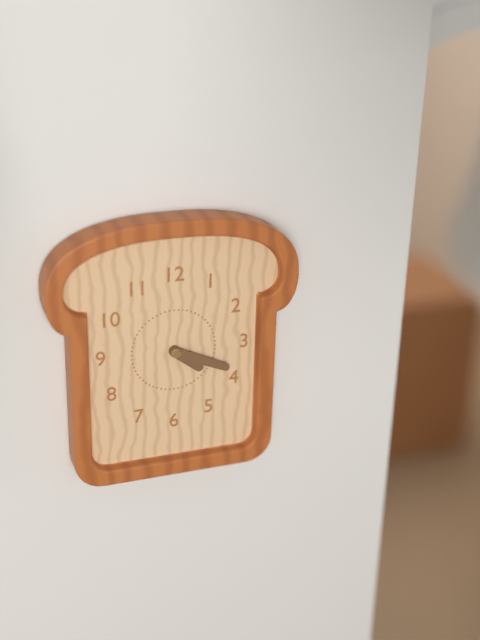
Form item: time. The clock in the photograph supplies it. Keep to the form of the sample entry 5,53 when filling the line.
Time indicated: 4,19
